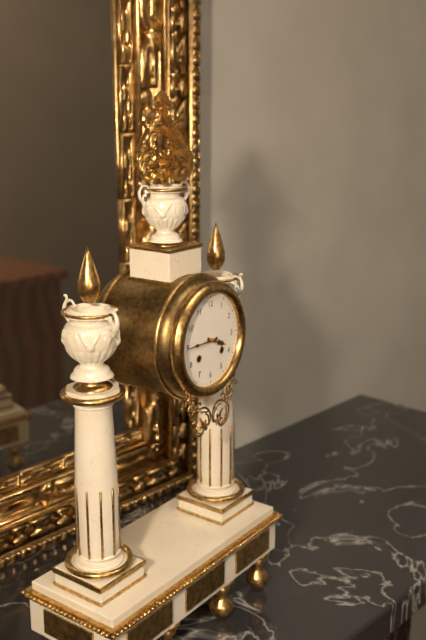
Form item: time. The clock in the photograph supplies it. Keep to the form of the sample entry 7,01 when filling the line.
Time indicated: 3,45
